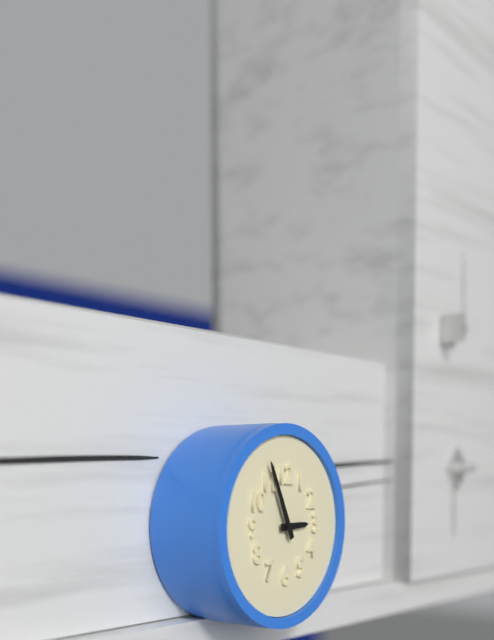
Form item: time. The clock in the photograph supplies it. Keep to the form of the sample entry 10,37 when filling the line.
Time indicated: 2,56
